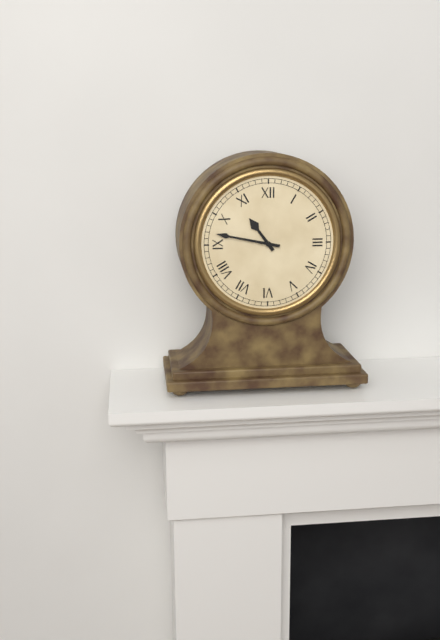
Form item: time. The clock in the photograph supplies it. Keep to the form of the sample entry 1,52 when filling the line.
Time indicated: 10,47
